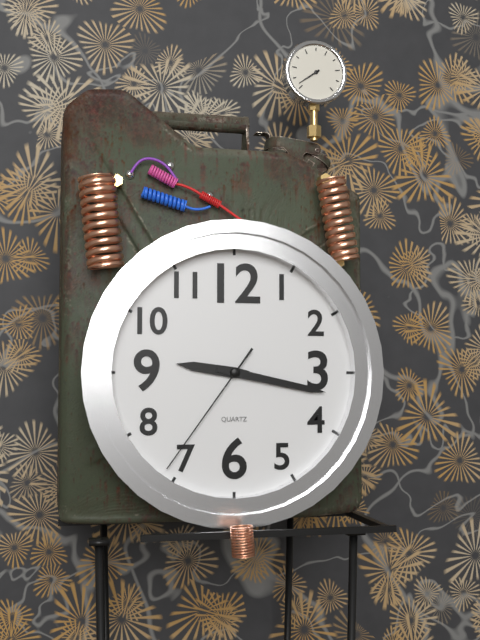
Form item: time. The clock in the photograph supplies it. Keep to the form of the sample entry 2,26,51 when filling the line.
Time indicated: 9,17,36
